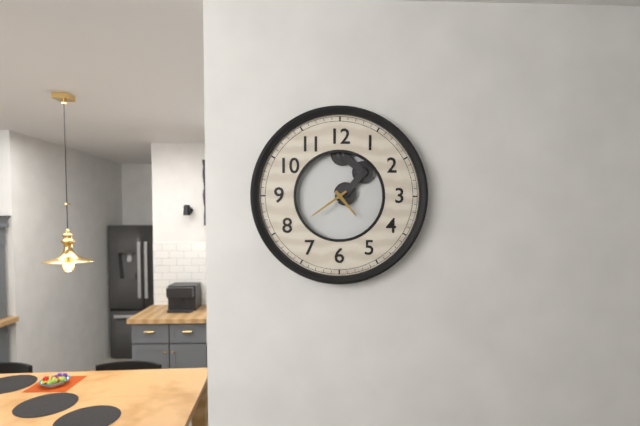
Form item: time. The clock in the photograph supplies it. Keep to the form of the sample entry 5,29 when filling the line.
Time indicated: 4,39
